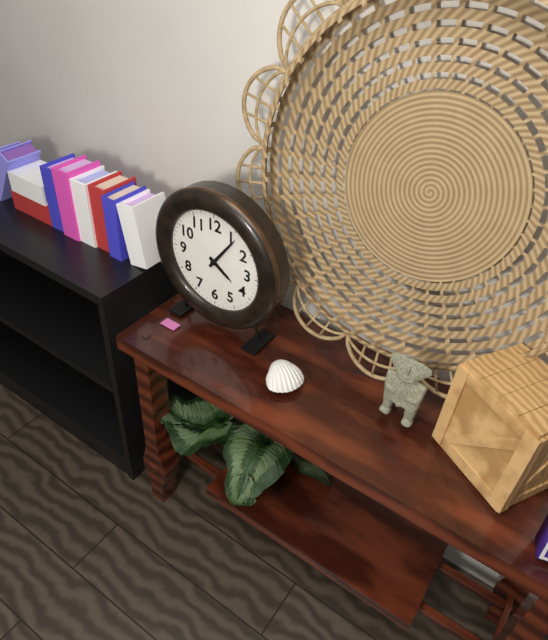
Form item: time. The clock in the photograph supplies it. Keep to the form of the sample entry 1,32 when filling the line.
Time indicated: 4,06
